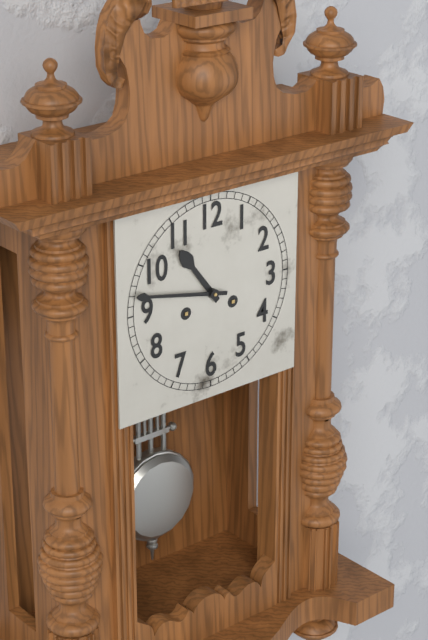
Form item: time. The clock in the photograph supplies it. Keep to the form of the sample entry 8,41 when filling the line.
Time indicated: 10,47
